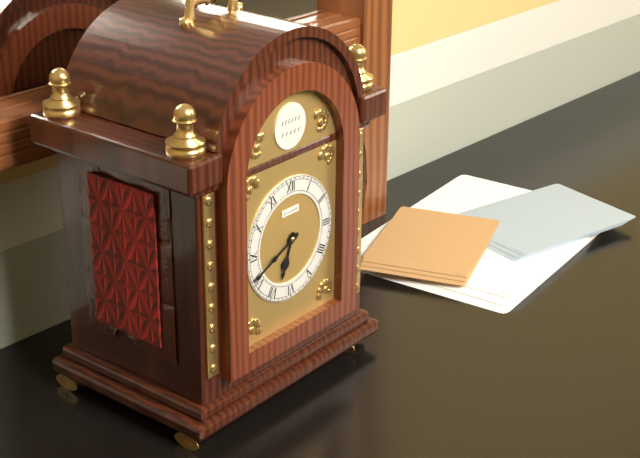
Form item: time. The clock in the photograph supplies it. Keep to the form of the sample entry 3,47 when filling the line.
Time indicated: 6,41
